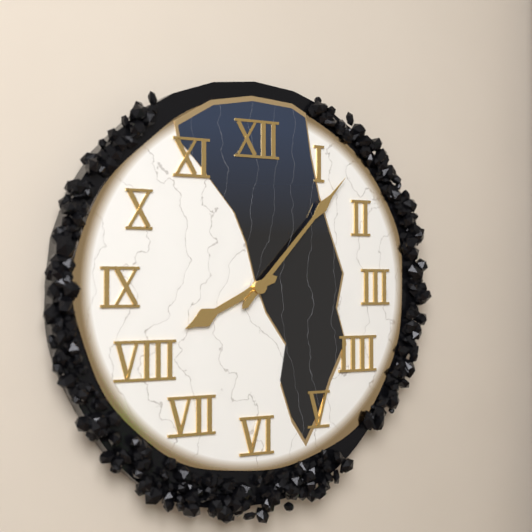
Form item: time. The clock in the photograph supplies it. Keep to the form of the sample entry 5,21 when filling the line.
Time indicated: 8,07
